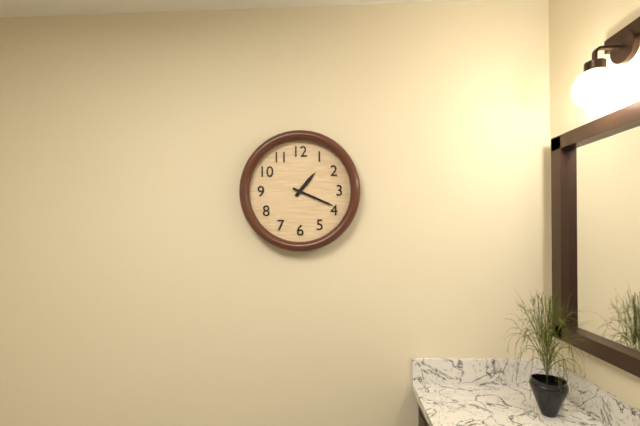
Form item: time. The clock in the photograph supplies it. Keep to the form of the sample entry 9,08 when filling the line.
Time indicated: 1,19
